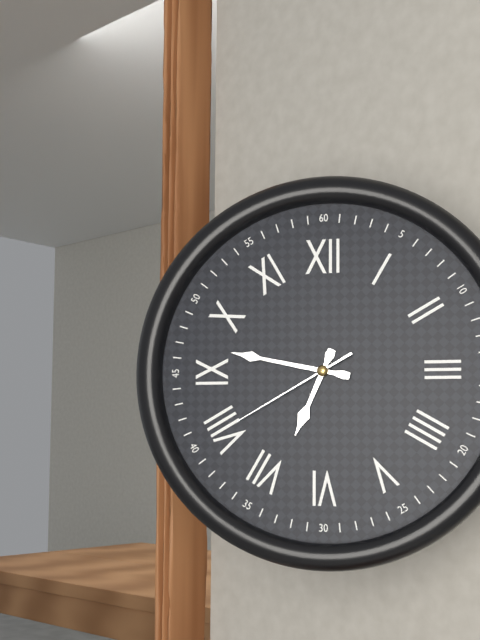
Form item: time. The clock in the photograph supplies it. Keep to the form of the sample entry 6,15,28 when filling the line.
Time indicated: 6,47,40
